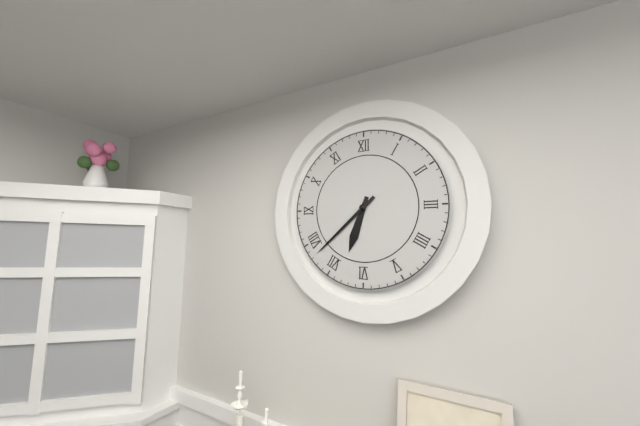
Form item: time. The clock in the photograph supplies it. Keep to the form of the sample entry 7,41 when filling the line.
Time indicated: 6,38
